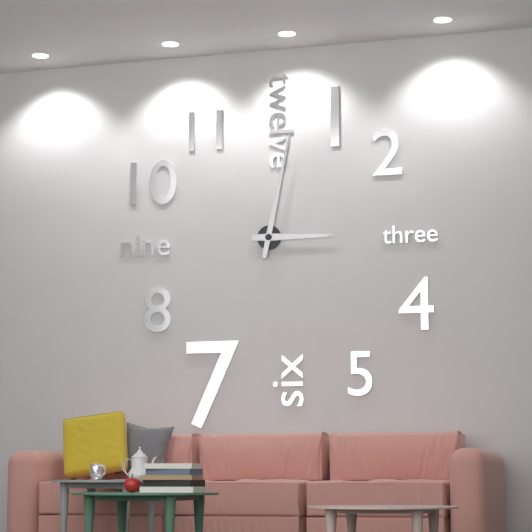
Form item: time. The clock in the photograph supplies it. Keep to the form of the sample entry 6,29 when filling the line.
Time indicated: 3,02
